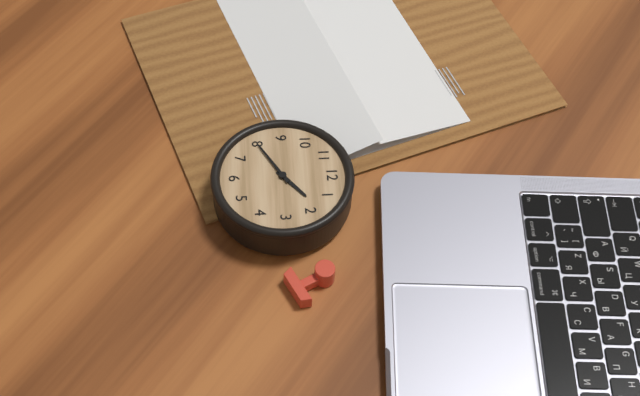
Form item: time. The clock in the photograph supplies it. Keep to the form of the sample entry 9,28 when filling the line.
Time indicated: 1,40
